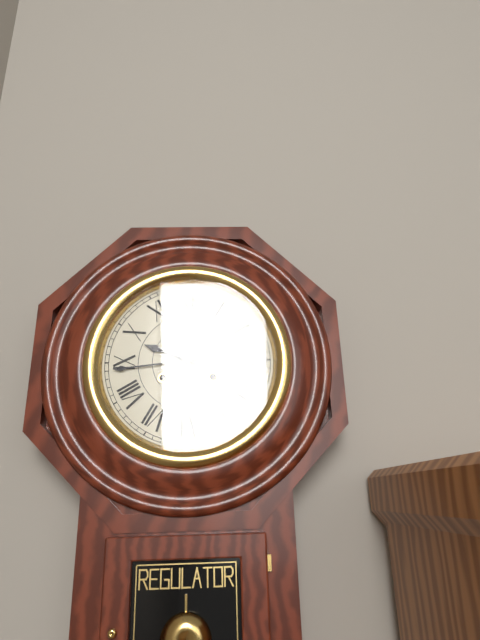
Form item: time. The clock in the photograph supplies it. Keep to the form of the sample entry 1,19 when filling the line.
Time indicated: 9,44
